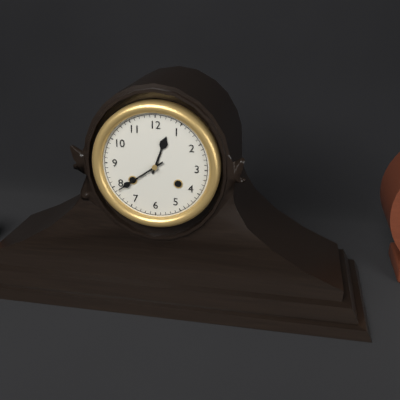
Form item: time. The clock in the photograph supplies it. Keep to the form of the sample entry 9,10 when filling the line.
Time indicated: 12,39
